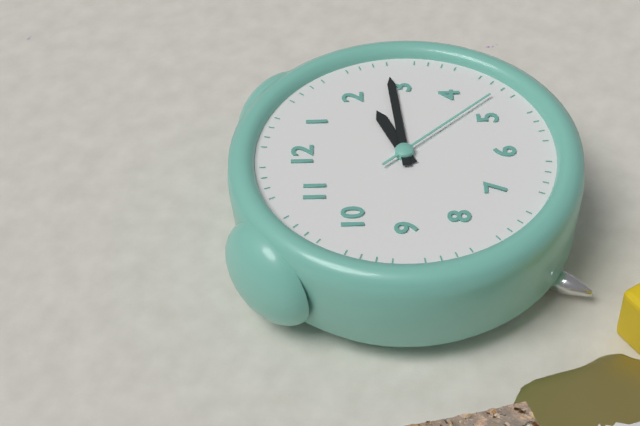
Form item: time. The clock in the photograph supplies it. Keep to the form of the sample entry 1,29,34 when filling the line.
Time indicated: 2,14,23
